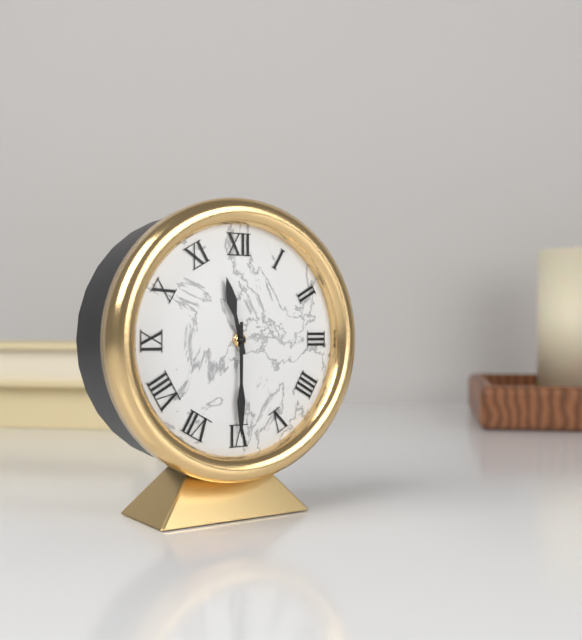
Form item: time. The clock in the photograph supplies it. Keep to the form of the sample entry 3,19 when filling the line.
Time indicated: 11,30
